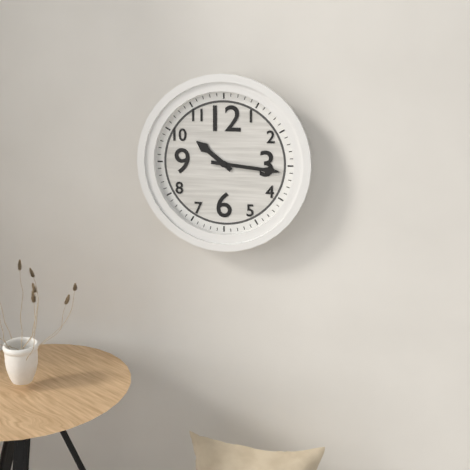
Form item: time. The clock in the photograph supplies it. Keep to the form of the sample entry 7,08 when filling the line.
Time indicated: 10,16
